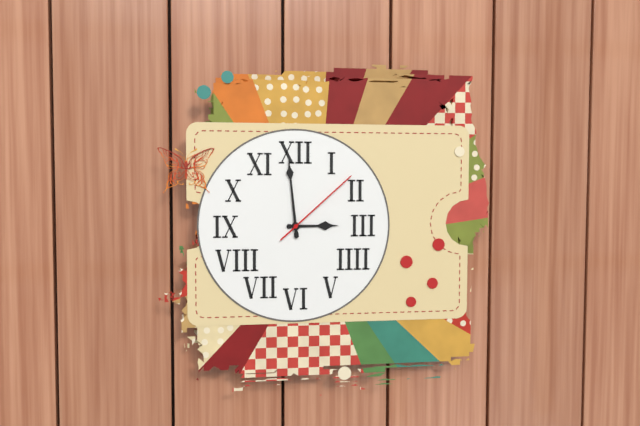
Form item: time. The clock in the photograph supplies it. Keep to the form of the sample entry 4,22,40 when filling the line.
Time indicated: 2,59,08
